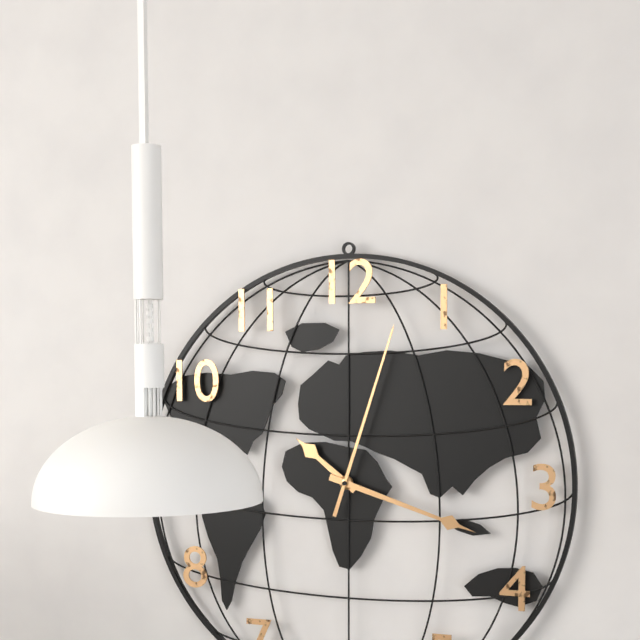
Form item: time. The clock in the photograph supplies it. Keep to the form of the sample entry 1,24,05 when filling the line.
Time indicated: 10,18,03
